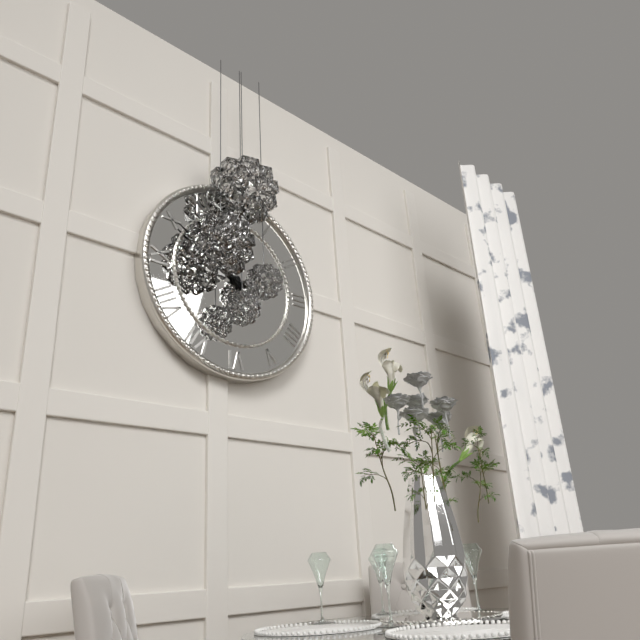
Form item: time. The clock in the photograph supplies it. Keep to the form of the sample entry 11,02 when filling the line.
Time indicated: 10,50
